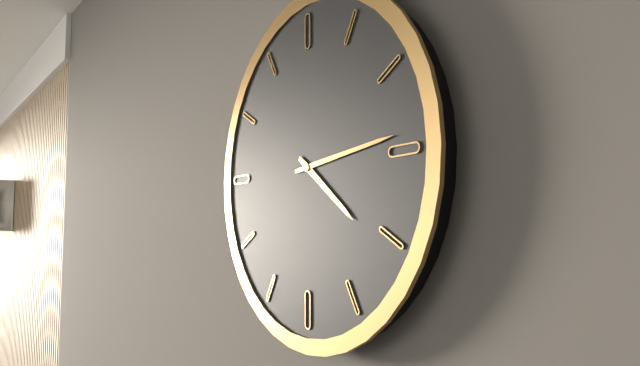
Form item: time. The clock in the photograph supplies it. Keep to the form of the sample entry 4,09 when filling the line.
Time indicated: 4,14
